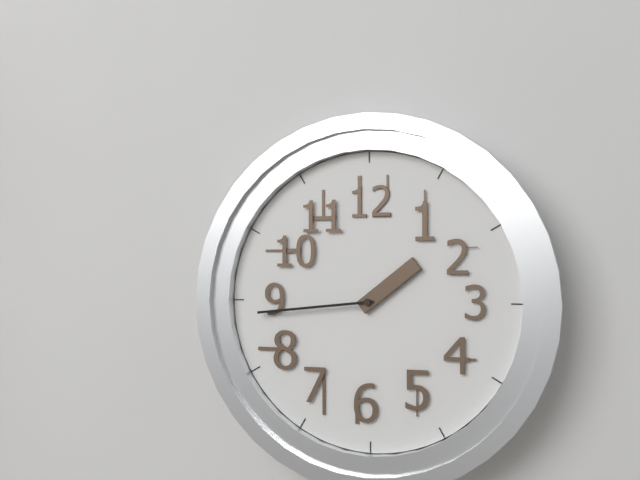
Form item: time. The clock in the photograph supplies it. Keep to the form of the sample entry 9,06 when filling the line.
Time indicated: 1,44
